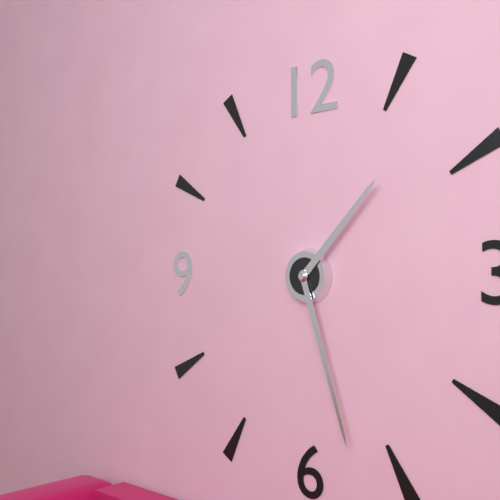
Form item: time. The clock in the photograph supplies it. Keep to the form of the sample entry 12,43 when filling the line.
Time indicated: 1,27
